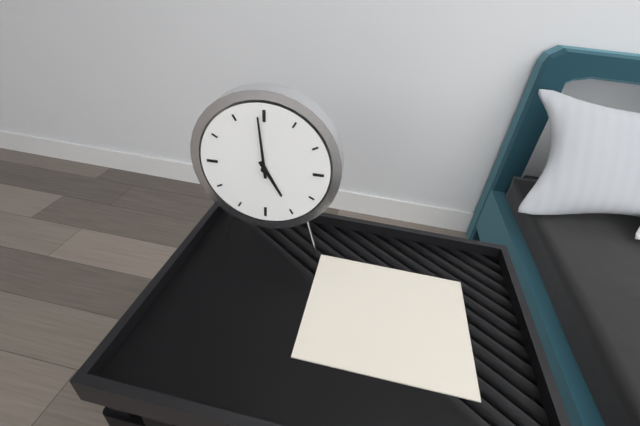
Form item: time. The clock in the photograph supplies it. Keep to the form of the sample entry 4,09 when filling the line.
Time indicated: 4,59
